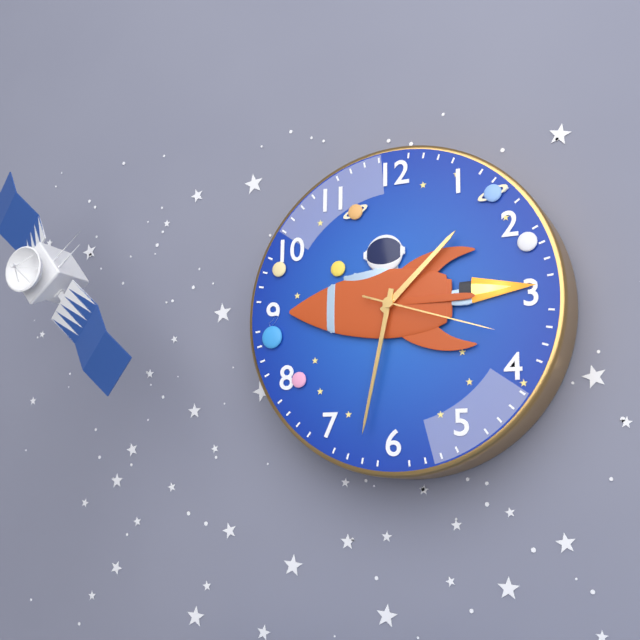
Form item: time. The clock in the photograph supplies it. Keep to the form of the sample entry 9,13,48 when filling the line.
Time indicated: 1,32,18
